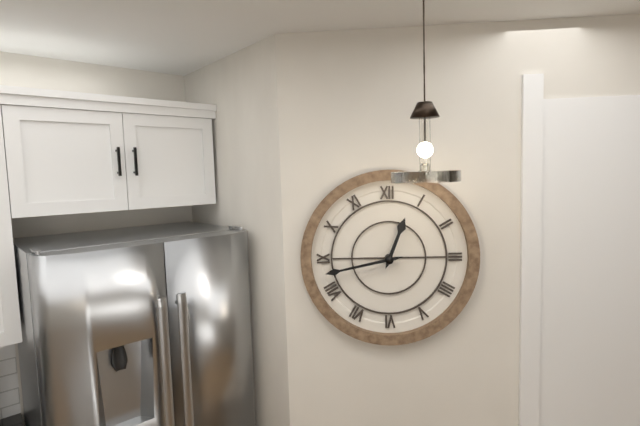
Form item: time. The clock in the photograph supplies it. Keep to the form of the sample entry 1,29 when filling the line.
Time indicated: 12,43
